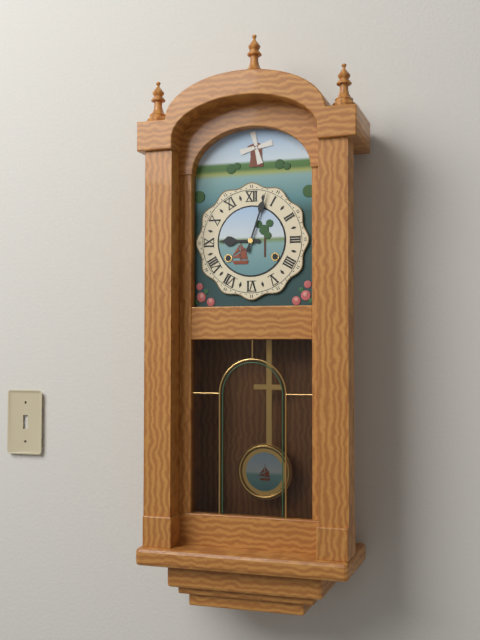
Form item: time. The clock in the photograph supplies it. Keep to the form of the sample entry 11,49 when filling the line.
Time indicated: 9,03
